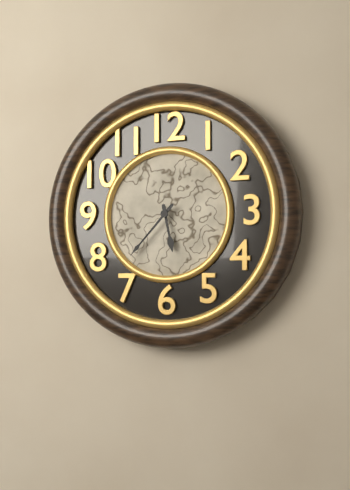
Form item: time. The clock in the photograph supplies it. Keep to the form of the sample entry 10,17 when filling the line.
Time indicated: 5,37
